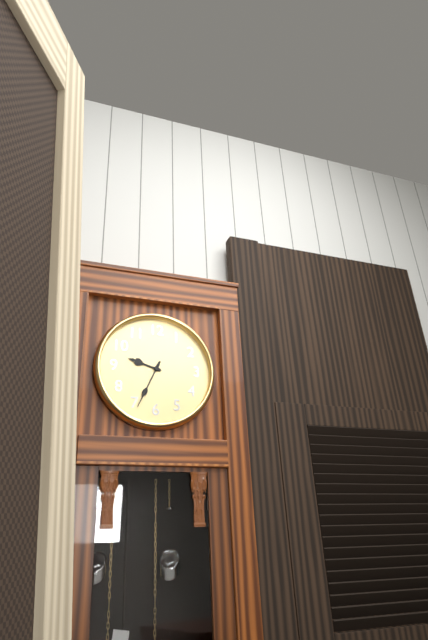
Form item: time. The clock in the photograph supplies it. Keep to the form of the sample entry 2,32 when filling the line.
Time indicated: 9,34
